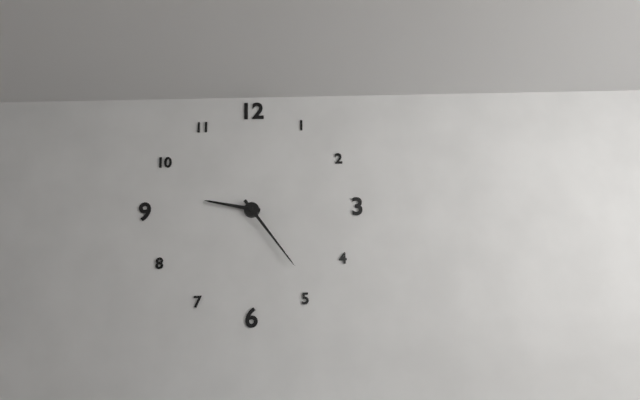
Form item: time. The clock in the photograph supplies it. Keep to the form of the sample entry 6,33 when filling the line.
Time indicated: 9,24
